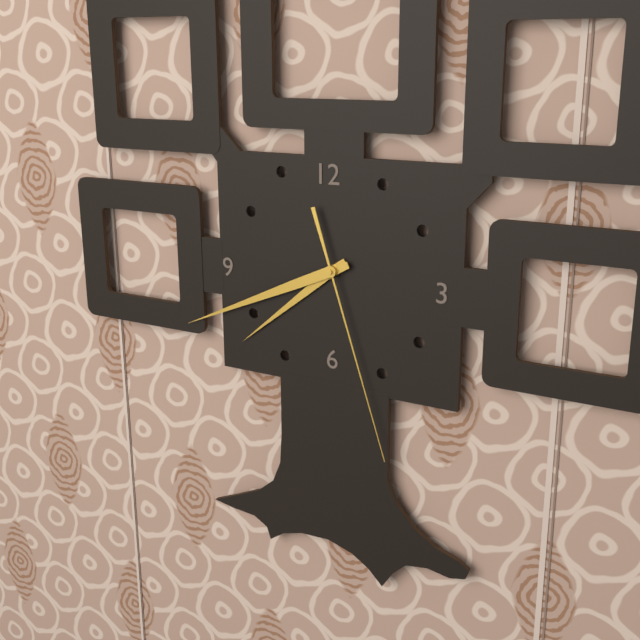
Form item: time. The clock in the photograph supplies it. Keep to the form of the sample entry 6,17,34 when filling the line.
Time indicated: 7,41,27
